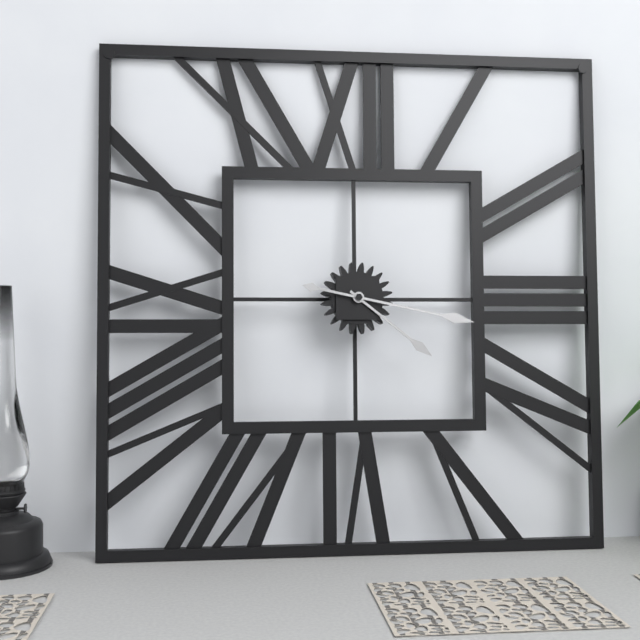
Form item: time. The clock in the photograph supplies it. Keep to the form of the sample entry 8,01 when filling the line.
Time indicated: 4,17
